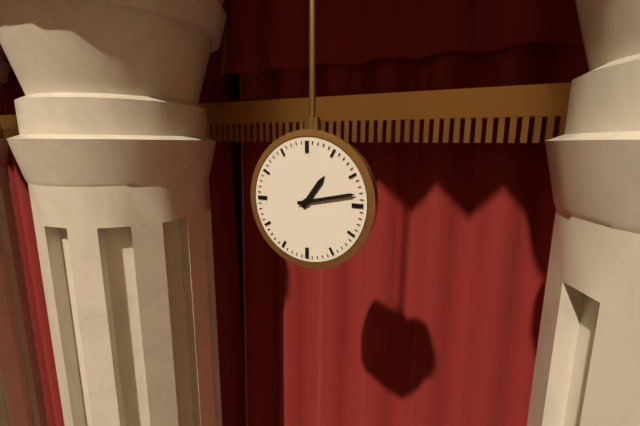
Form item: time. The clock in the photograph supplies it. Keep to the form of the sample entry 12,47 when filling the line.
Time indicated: 1,13
